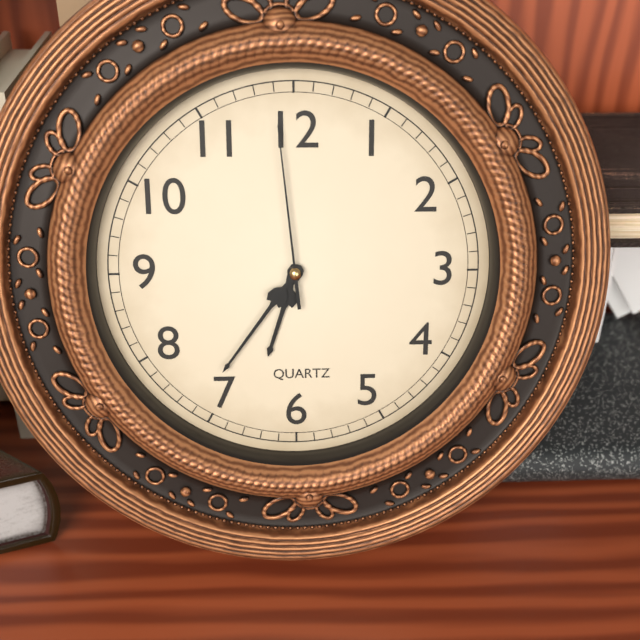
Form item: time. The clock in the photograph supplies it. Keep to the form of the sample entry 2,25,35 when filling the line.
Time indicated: 6,36,59
